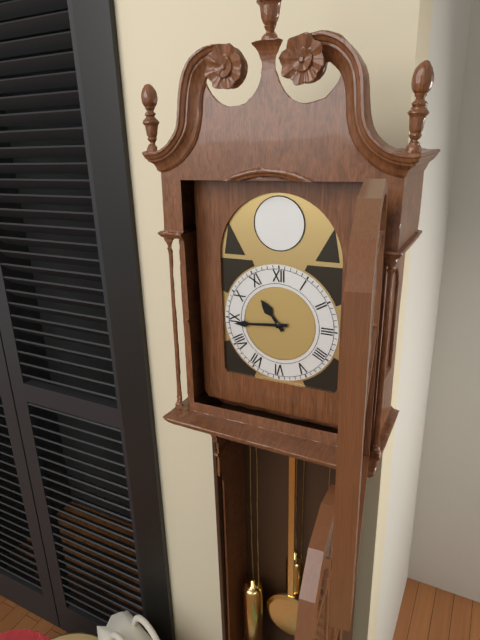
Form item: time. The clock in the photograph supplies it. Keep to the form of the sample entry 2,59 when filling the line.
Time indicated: 10,44
